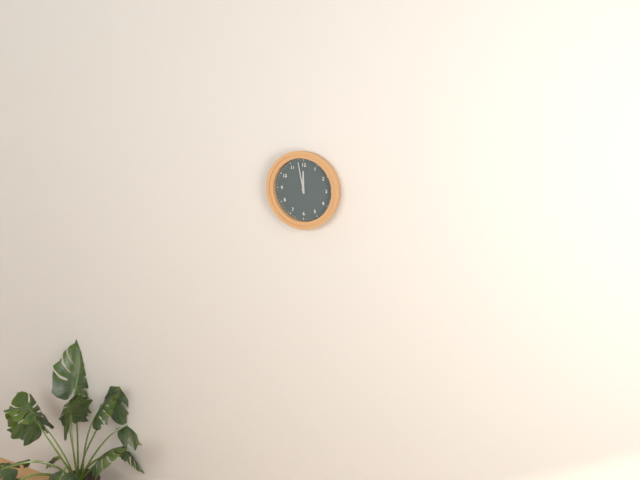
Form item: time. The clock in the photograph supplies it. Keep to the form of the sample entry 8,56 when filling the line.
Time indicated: 11,58
